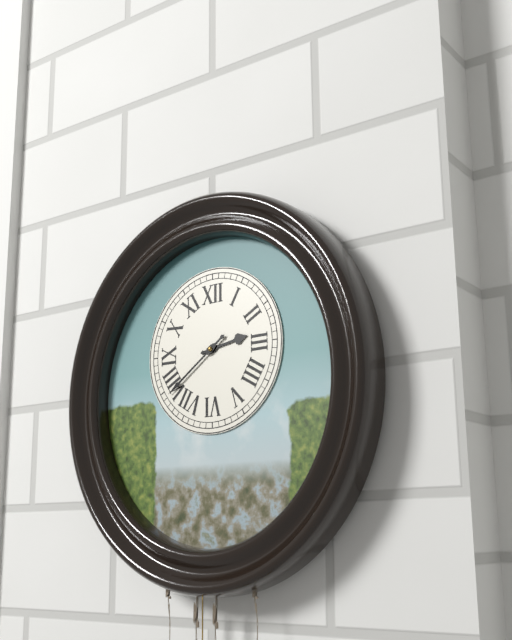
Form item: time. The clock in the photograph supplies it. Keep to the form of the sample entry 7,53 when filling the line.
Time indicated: 2,39
